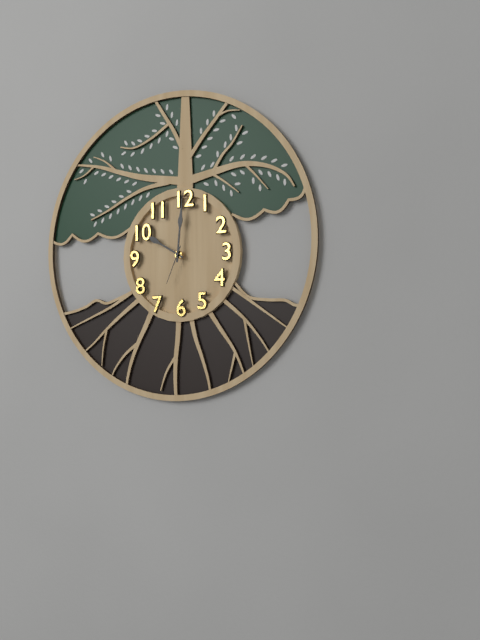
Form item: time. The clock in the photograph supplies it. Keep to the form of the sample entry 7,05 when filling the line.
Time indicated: 10,01
